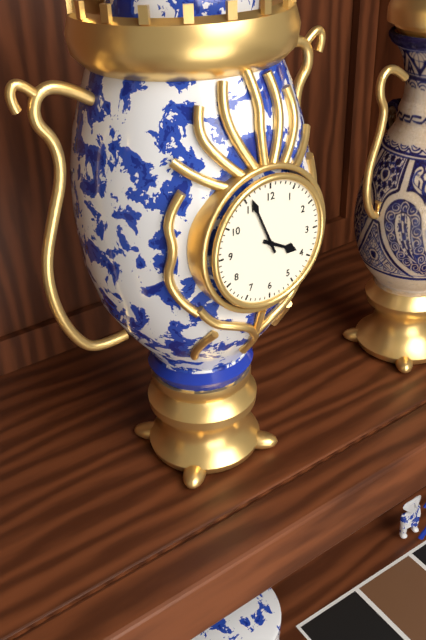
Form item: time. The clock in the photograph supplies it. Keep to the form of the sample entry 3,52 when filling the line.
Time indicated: 3,56
